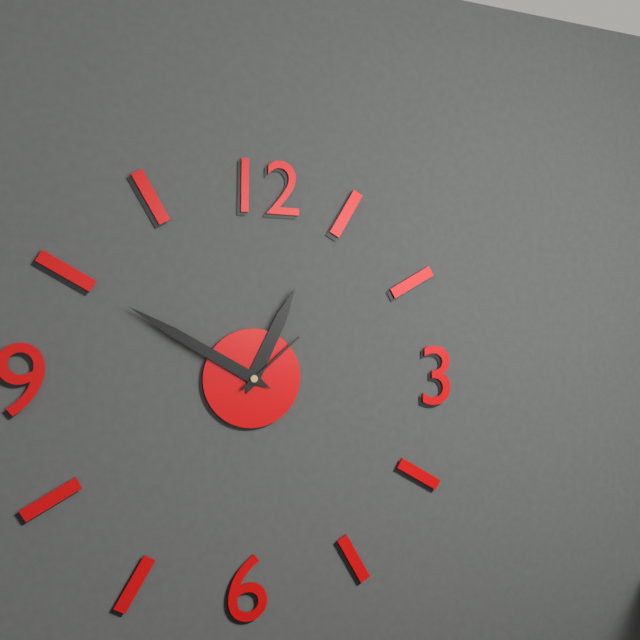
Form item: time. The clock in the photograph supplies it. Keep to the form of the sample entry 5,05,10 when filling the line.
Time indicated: 12,50,08
